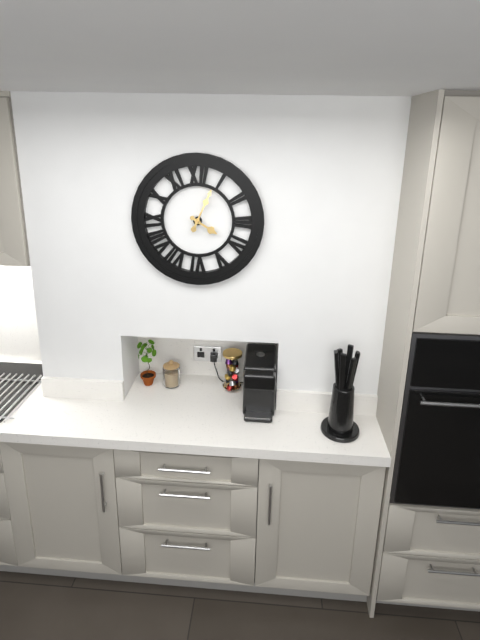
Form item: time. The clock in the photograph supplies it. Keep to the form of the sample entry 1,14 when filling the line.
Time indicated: 4,04
